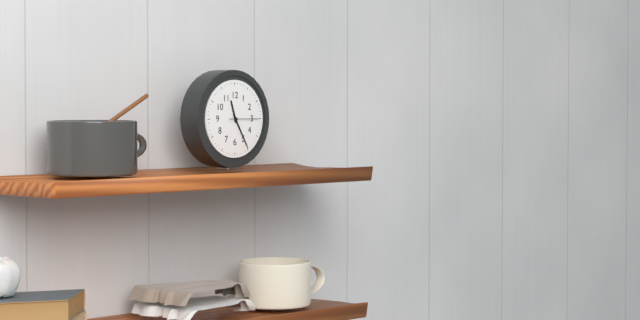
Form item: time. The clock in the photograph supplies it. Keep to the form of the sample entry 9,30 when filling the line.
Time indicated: 11,25
